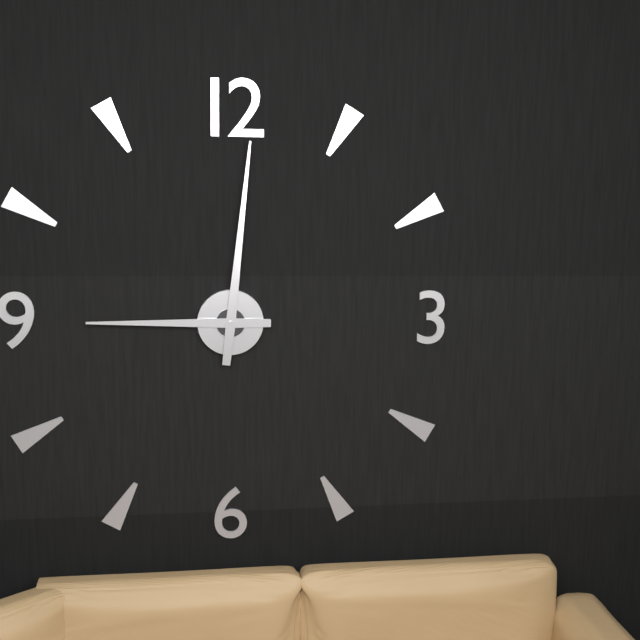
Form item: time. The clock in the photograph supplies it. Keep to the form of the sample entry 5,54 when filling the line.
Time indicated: 9,01
